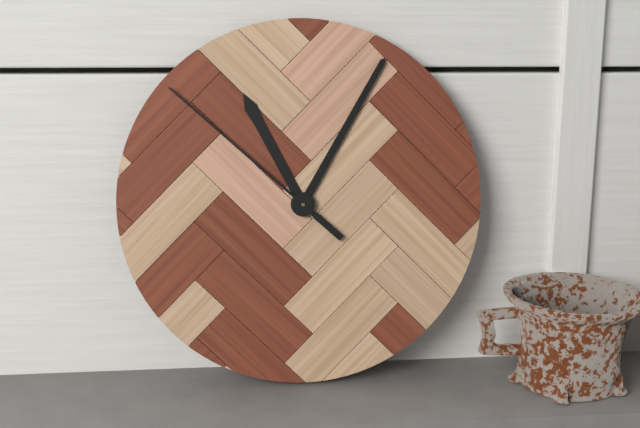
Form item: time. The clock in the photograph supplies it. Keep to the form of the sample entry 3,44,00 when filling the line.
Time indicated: 11,05,52
